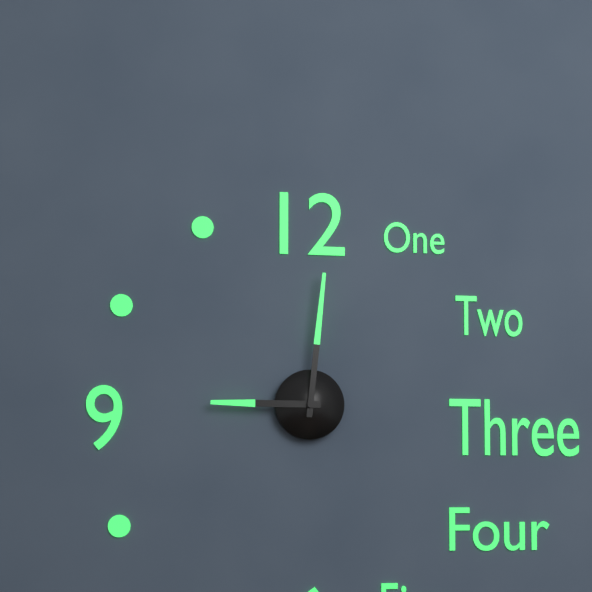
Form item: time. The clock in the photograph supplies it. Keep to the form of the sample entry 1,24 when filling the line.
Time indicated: 9,01
